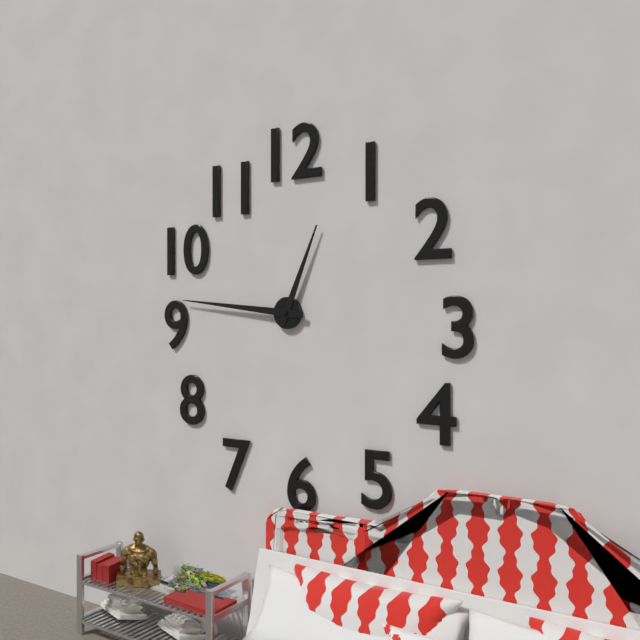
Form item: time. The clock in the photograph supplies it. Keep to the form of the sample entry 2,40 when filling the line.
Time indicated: 12,46
